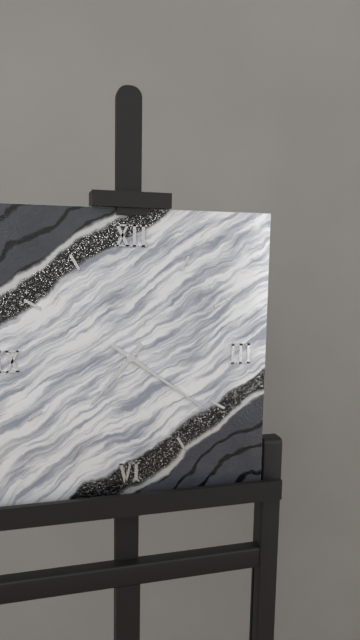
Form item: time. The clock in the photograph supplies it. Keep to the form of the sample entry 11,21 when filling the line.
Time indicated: 7,21
